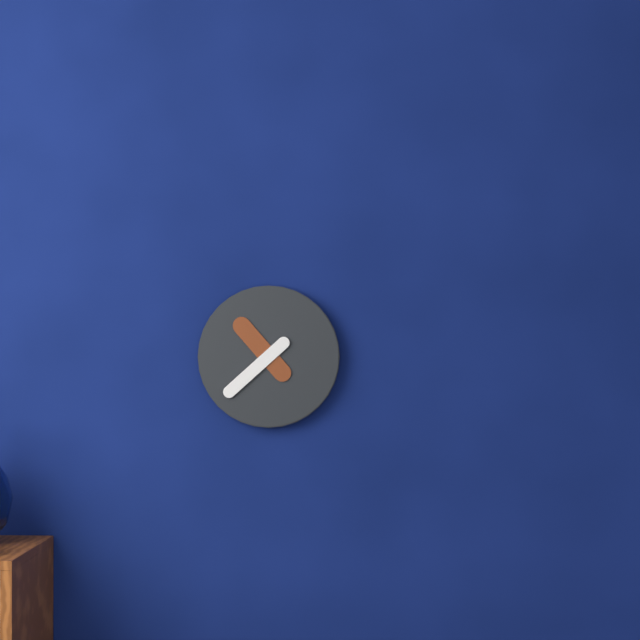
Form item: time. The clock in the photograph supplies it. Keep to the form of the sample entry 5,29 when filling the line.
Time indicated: 10,38
